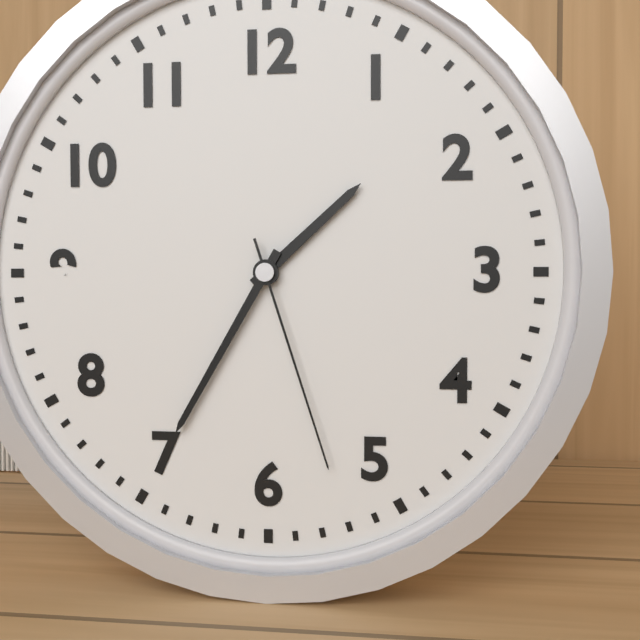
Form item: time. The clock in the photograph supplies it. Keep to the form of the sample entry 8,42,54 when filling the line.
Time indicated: 1,35,27
